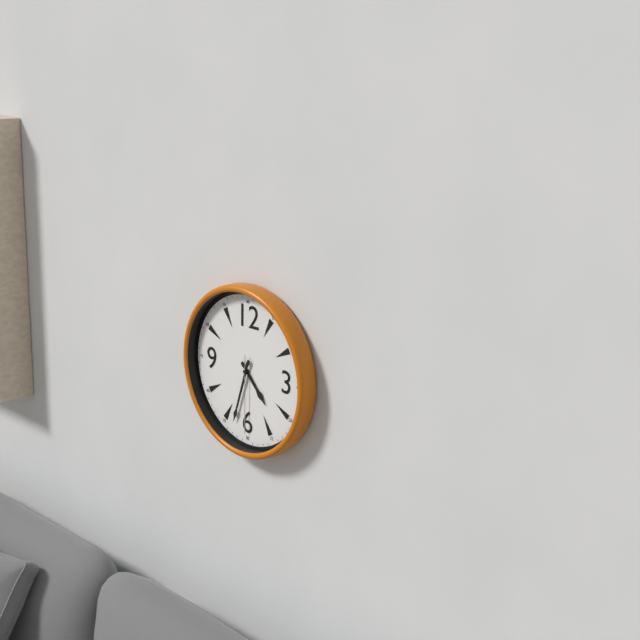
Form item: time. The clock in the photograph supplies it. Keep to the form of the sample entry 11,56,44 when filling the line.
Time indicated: 4,33,30
